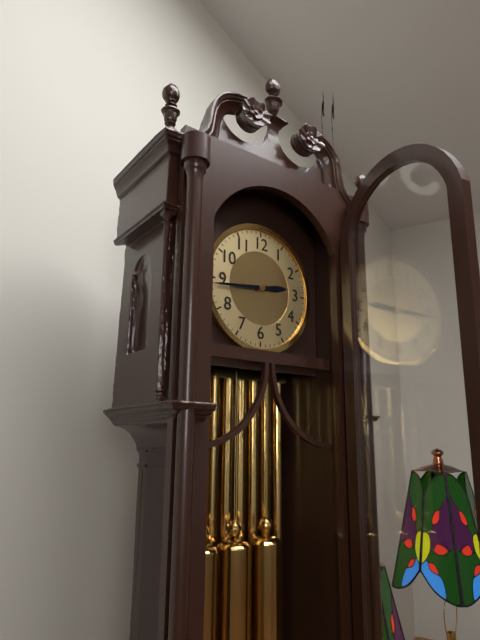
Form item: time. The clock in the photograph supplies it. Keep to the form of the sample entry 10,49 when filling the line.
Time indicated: 2,44
